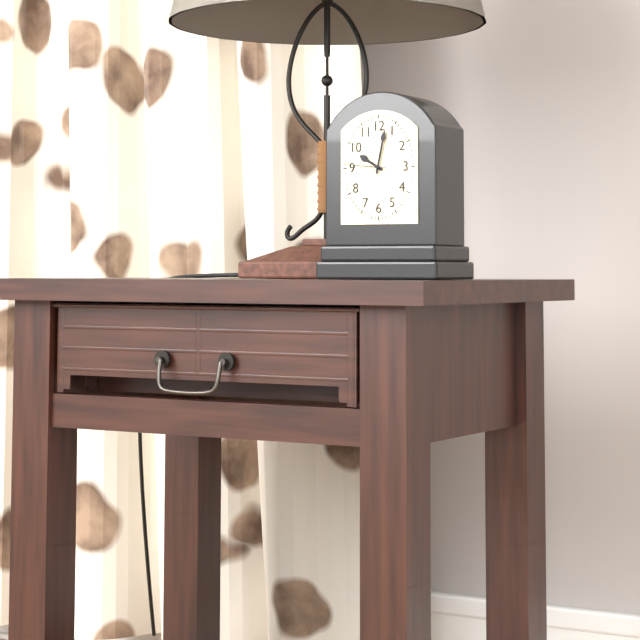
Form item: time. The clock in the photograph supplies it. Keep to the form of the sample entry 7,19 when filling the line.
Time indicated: 10,02
